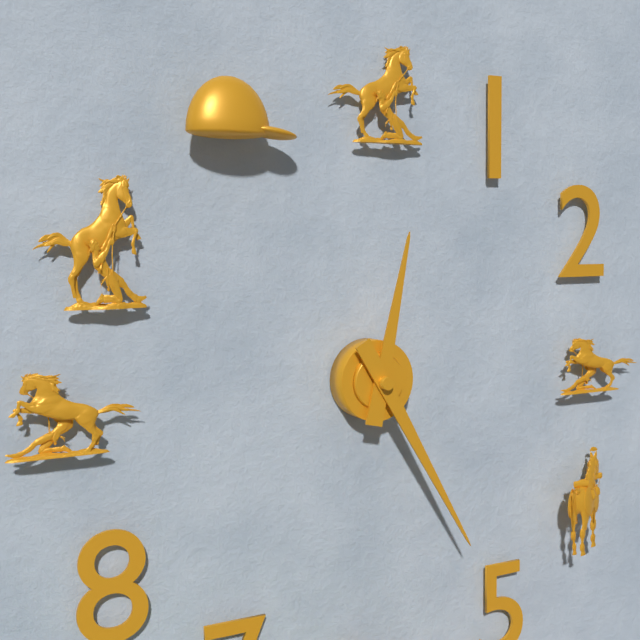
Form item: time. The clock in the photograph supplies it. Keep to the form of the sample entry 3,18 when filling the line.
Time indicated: 12,25
